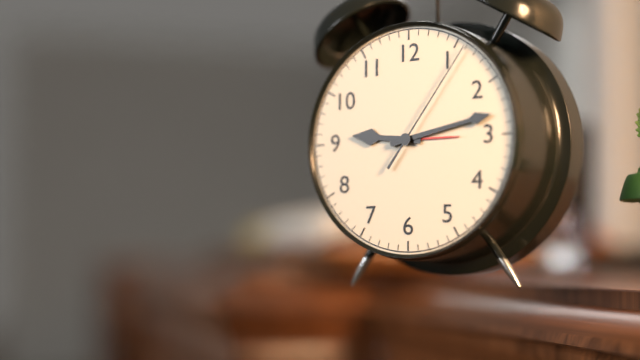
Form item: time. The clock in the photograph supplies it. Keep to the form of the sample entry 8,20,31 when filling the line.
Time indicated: 9,13,06
